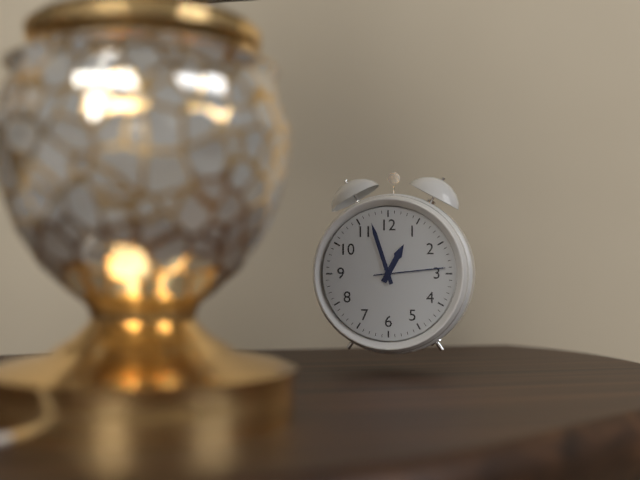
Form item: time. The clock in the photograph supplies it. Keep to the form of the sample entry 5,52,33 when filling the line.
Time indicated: 12,57,14
